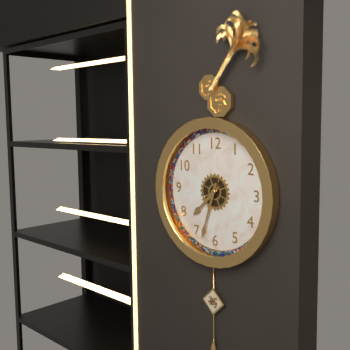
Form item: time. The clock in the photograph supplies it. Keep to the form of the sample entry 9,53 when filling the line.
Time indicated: 7,33
